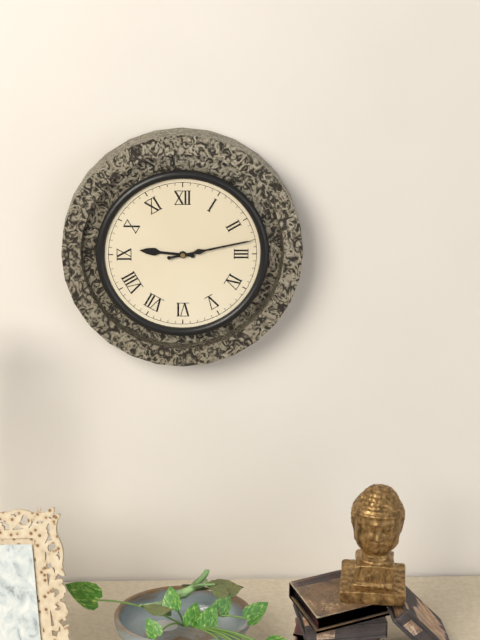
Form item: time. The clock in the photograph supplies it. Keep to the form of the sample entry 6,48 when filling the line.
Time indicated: 9,13
